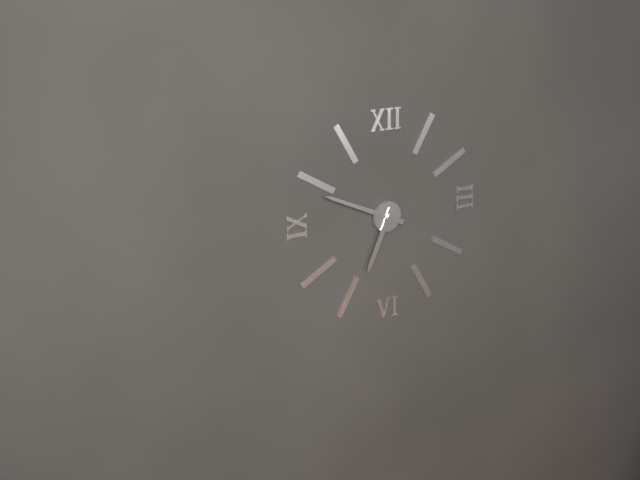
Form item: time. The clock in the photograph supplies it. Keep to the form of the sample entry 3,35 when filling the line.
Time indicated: 6,49
